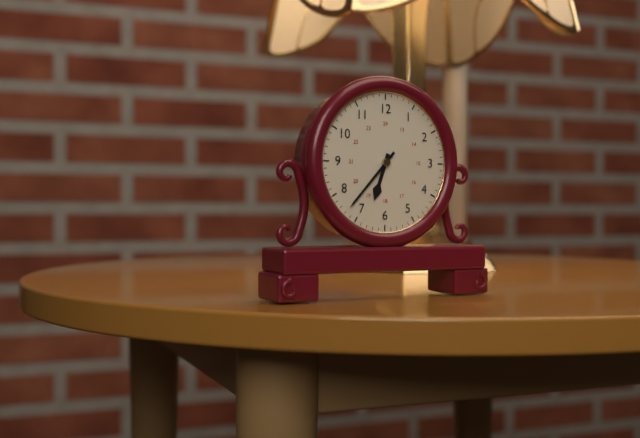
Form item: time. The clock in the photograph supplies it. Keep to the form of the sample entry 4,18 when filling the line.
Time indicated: 6,37
